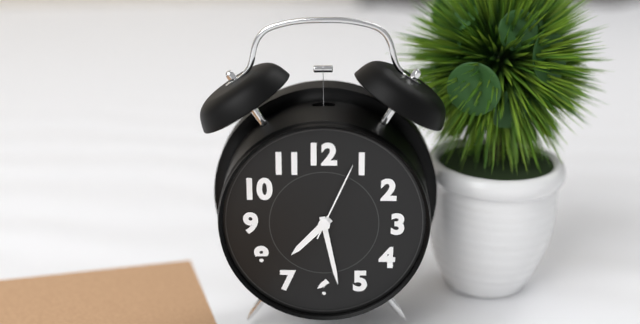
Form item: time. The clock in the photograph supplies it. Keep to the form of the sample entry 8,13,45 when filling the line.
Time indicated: 7,28,04
